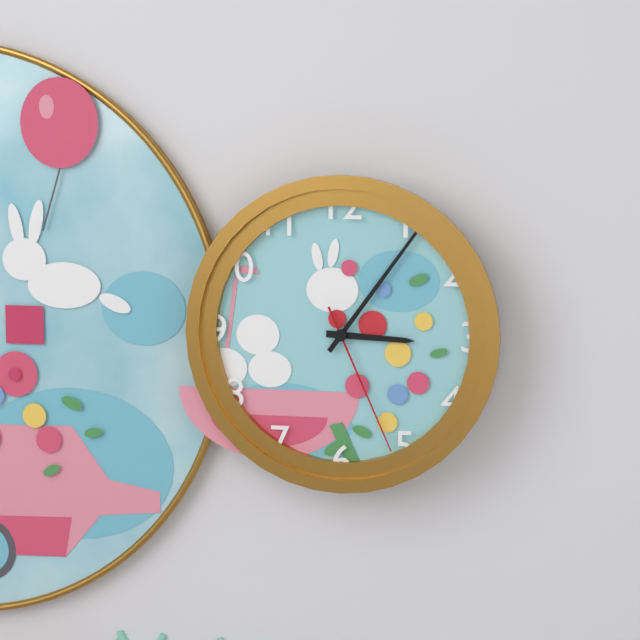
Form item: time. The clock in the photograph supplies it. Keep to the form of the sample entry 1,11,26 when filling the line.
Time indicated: 3,06,26
